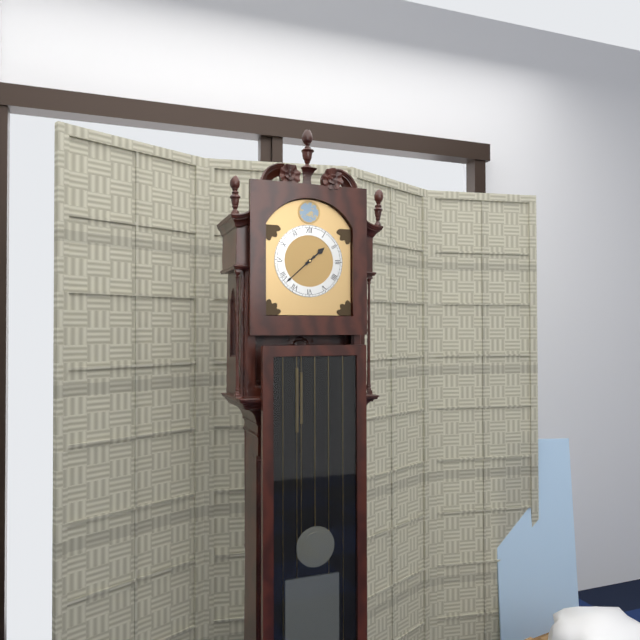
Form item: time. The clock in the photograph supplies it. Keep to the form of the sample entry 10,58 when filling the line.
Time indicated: 1,38
